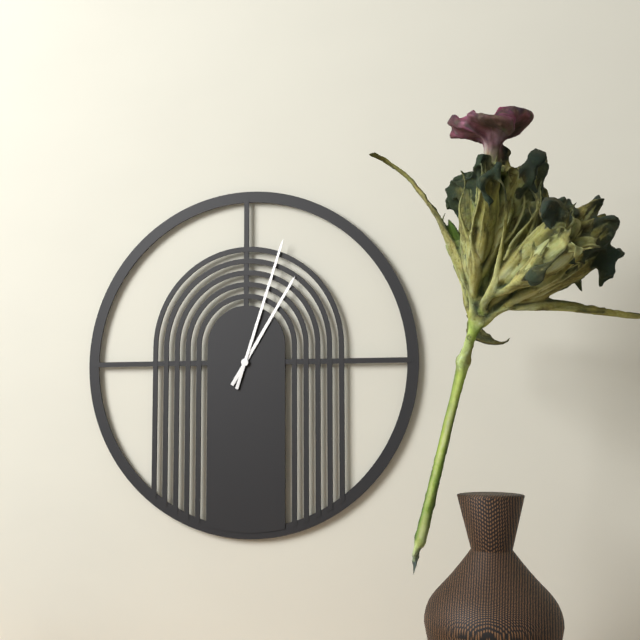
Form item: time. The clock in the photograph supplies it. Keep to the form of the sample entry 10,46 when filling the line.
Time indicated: 1,03
